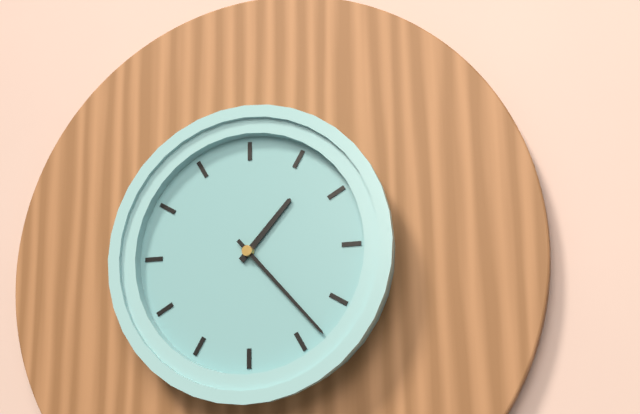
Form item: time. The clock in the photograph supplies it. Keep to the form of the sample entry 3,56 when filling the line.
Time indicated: 1,23
